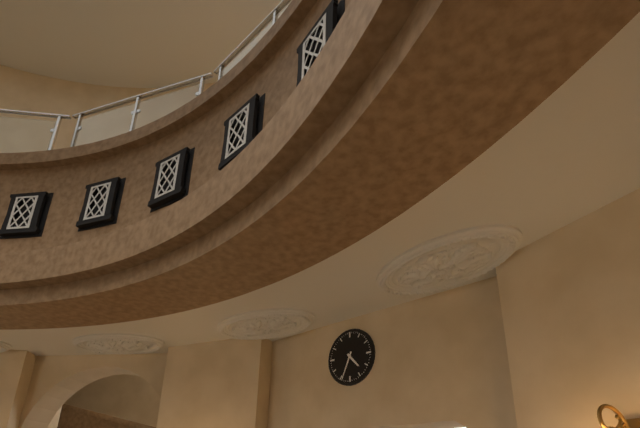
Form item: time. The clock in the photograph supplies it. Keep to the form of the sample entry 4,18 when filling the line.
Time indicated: 4,34
